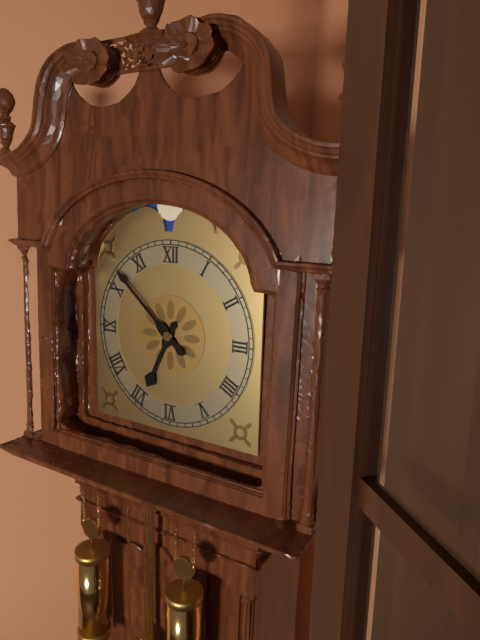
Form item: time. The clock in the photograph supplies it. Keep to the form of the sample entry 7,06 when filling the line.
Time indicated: 6,52
